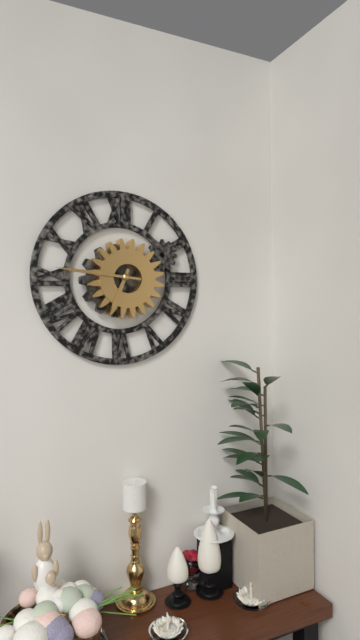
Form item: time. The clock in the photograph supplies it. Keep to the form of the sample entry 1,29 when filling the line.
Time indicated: 6,46
